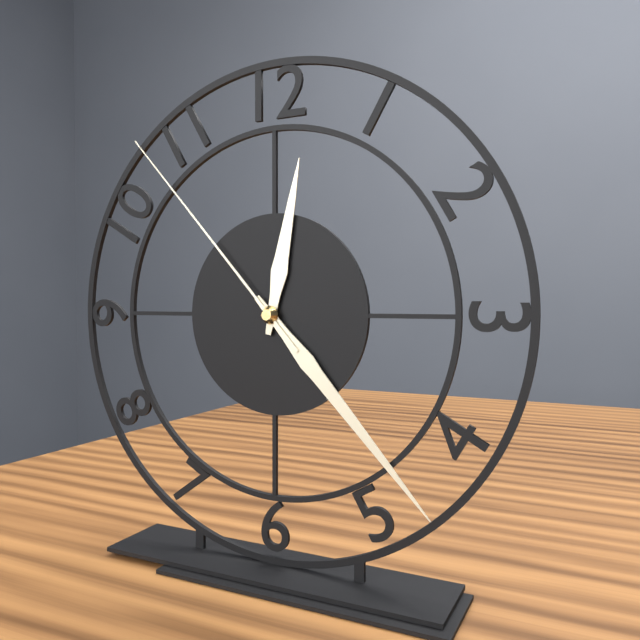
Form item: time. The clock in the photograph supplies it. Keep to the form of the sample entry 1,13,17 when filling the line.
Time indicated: 12,23,53
